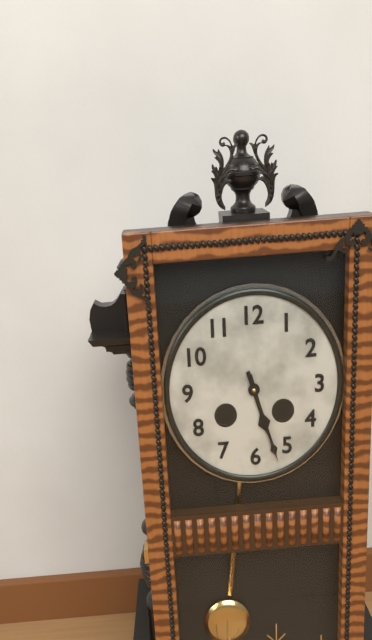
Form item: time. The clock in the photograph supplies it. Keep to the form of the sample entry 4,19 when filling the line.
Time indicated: 5,27
